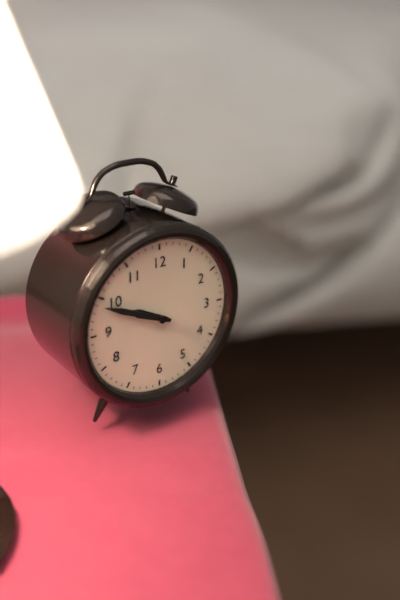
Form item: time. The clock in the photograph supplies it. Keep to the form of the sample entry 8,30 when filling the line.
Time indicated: 9,49
